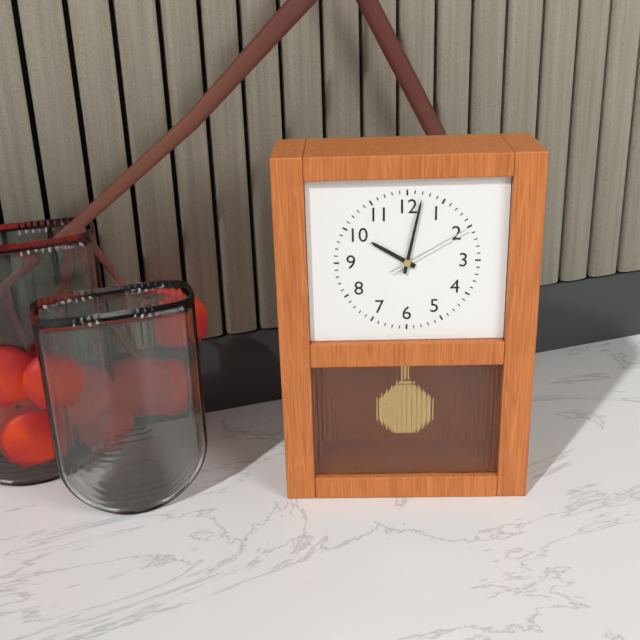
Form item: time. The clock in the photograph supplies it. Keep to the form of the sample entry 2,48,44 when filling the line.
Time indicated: 10,02,10
